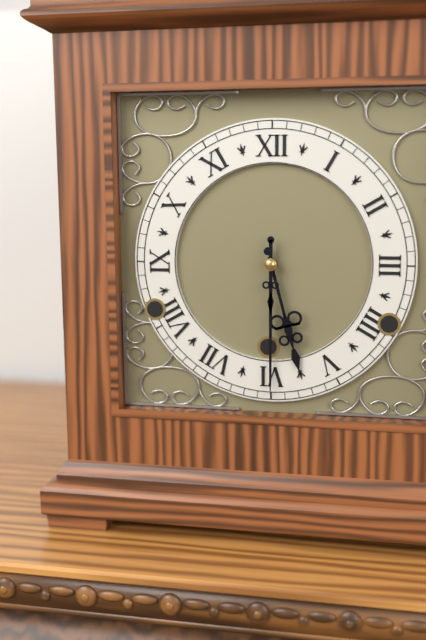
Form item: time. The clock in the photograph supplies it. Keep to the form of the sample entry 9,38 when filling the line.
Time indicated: 5,30
